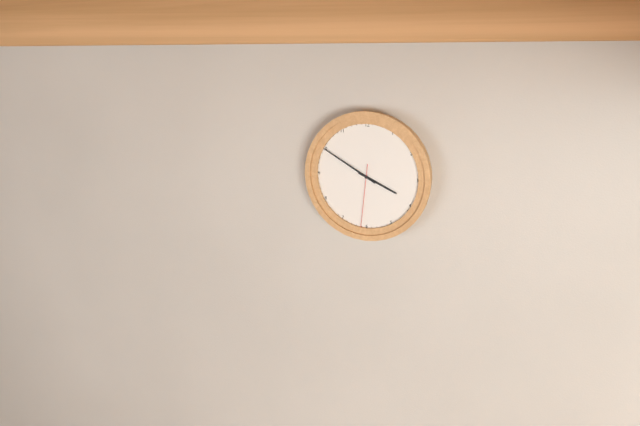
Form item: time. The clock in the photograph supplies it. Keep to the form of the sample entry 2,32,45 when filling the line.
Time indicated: 3,50,31
